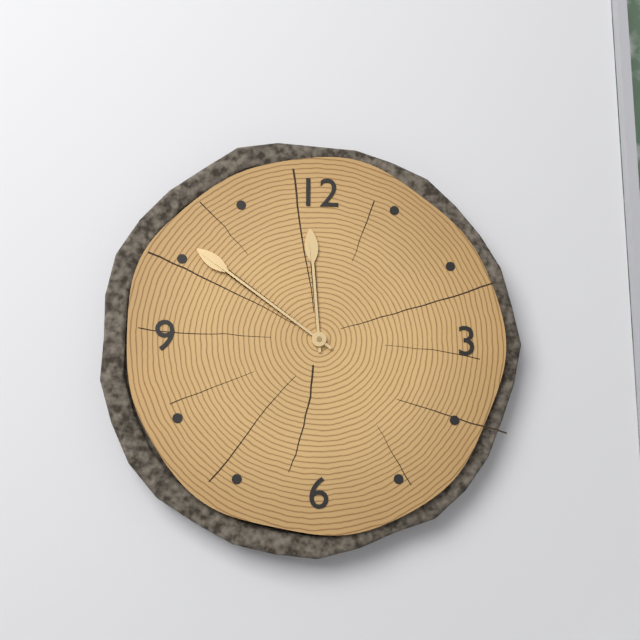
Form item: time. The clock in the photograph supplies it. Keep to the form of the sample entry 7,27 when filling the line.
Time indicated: 11,51
